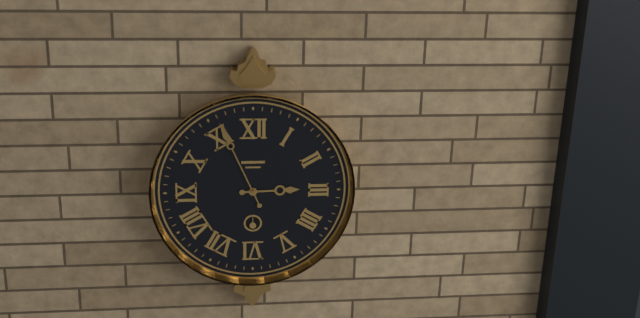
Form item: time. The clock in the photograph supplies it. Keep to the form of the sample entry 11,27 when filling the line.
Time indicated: 2,56
